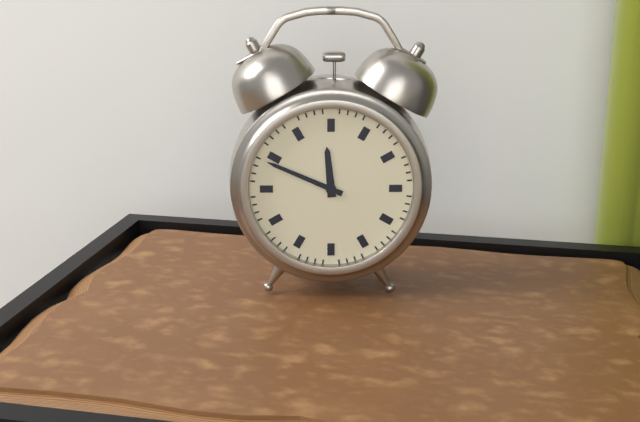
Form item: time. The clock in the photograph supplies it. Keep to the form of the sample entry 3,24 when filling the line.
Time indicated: 11,49
